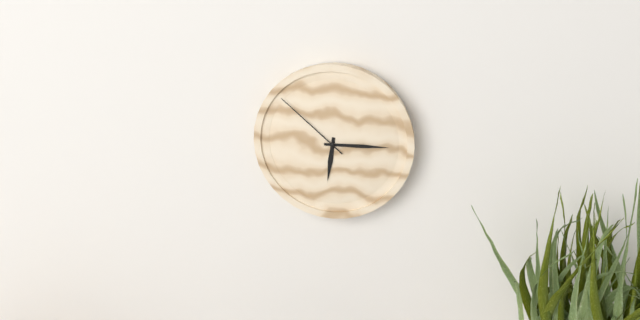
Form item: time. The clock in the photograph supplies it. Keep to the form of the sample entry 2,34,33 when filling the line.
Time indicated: 6,15,52
